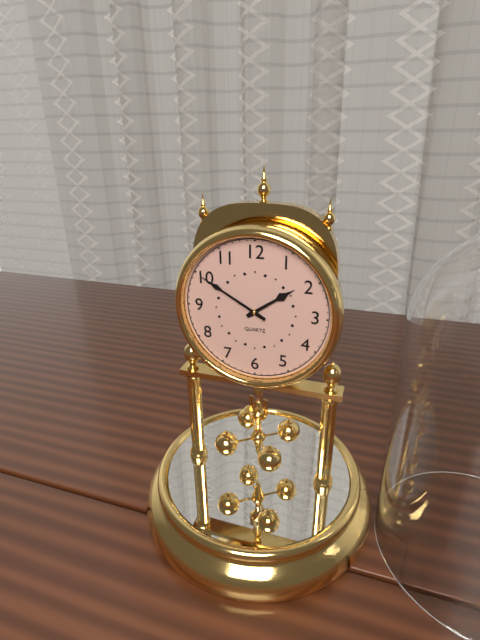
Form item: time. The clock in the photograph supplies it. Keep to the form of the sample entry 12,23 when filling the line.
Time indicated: 1,50
